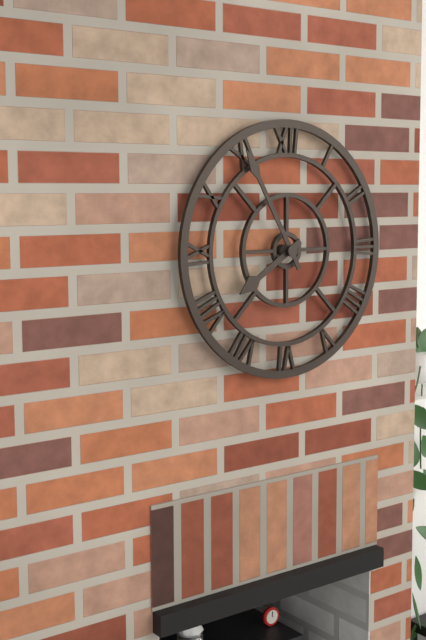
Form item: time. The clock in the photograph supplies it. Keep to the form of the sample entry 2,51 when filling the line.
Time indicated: 7,55
